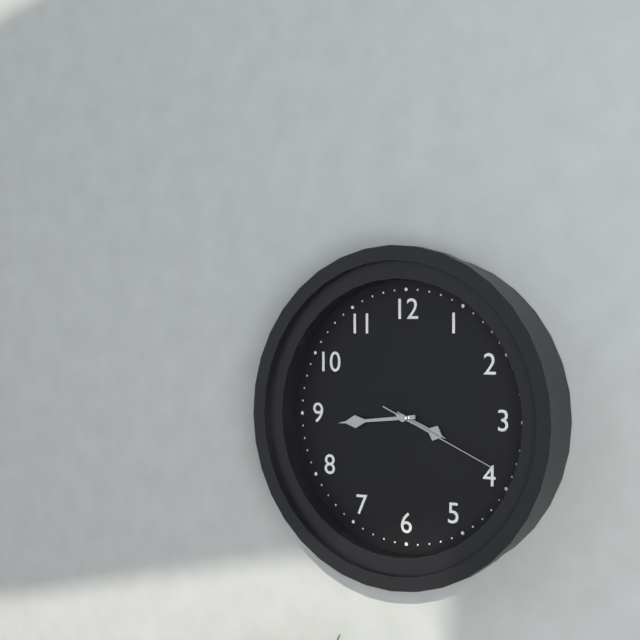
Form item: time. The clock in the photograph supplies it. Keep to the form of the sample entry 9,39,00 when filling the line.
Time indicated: 3,44,19
